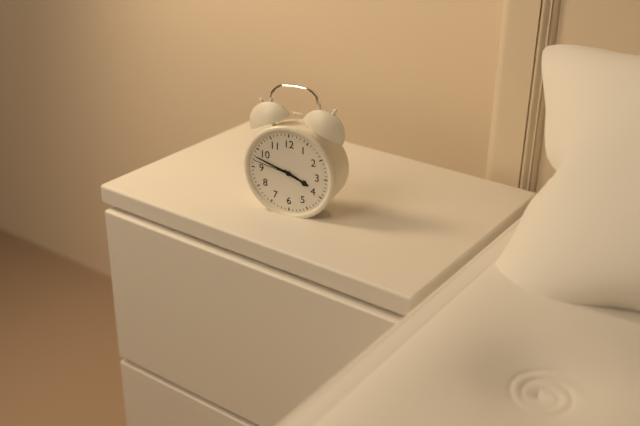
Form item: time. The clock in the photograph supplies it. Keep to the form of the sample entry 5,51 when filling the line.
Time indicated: 3,48
